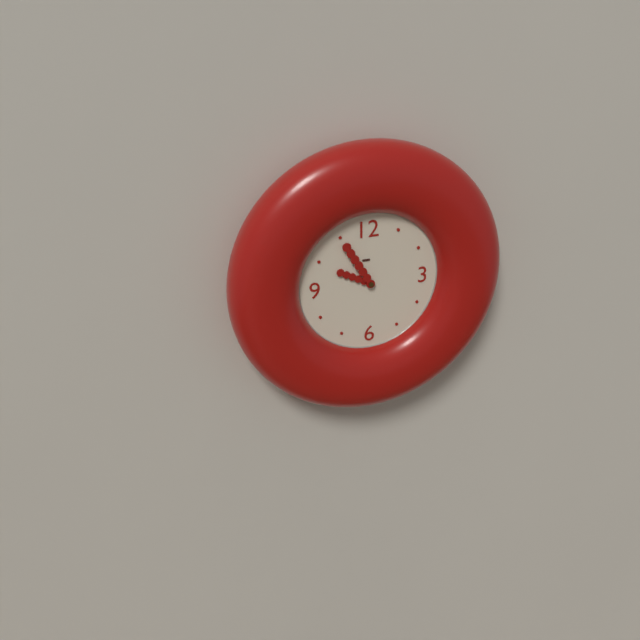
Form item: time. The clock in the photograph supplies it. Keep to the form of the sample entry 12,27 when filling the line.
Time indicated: 9,55
